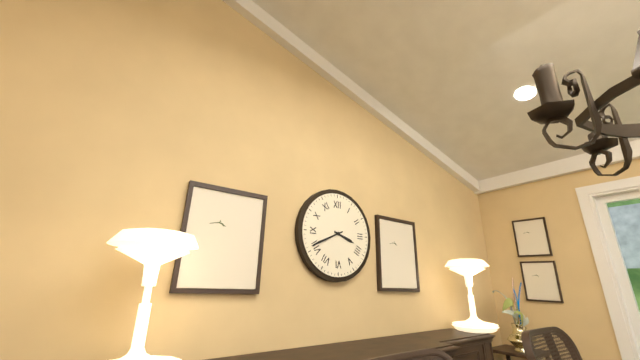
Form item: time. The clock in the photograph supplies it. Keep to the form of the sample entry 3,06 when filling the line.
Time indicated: 3,41
